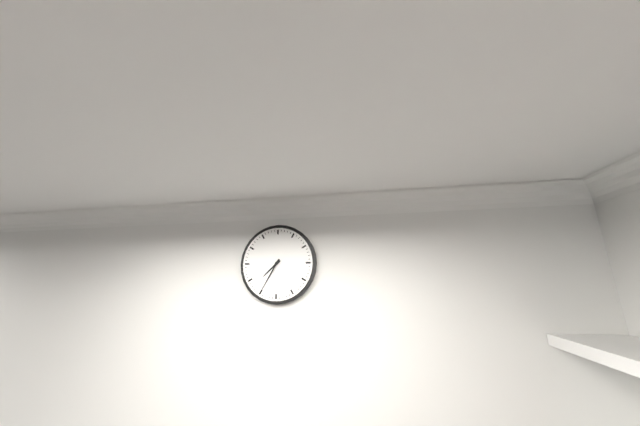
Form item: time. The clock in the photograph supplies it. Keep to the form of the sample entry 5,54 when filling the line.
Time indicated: 7,35
